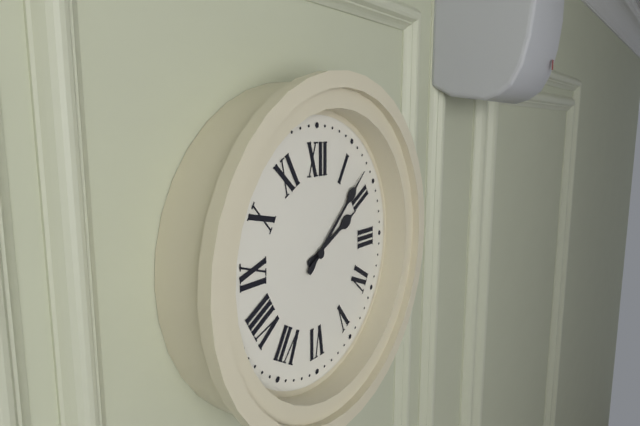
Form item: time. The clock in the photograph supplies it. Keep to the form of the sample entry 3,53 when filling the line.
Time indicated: 2,08
